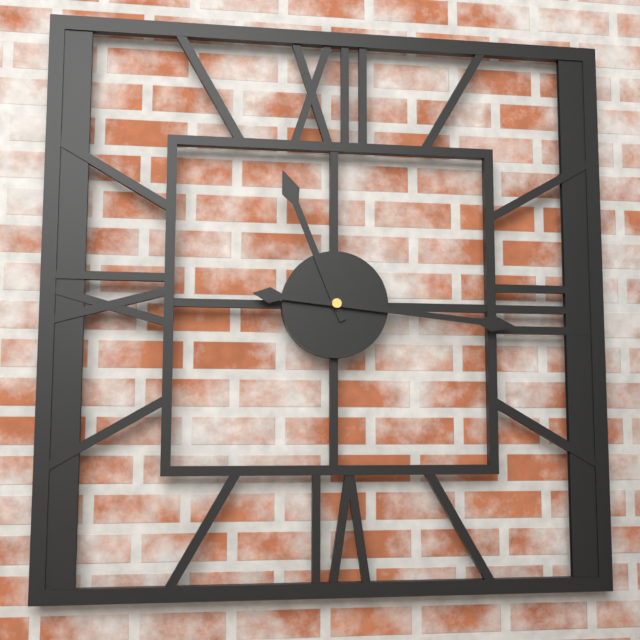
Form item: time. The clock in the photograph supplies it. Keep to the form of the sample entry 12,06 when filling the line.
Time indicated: 11,16
